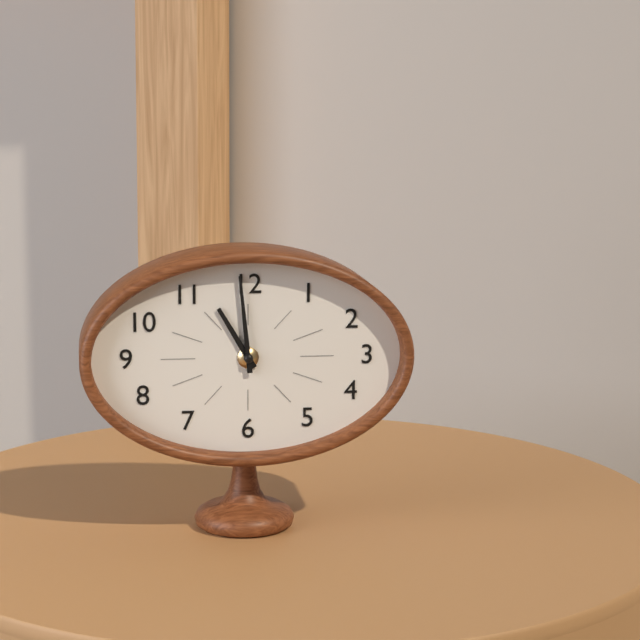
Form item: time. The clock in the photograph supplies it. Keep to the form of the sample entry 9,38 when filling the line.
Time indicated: 10,59
